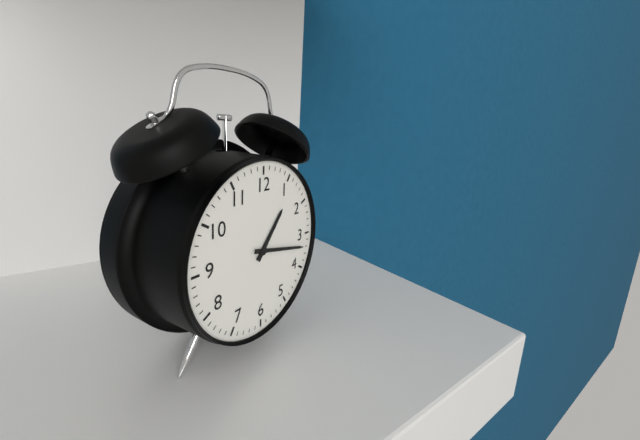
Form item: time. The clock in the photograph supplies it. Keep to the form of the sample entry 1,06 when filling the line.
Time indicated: 1,17
